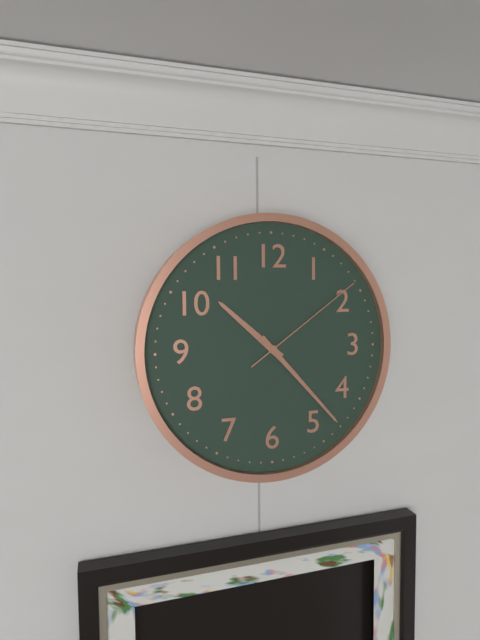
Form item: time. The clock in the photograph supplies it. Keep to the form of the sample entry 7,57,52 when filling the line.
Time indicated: 10,23,09
